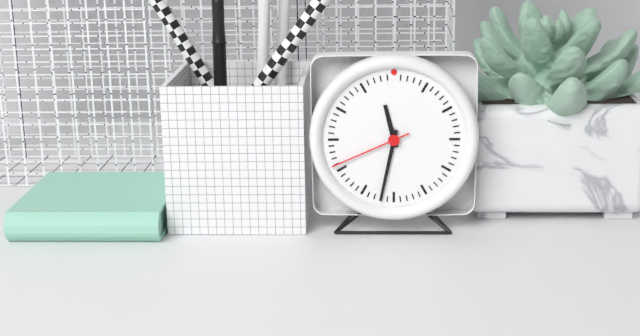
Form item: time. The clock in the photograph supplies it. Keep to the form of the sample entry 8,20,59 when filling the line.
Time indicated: 11,32,41
